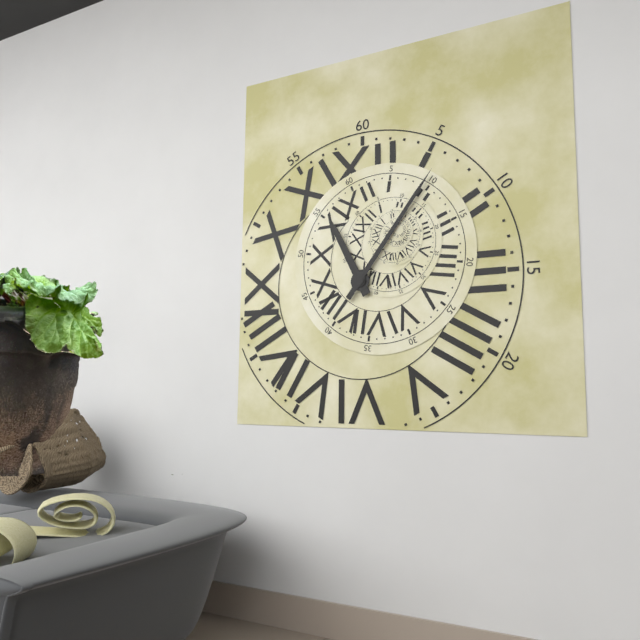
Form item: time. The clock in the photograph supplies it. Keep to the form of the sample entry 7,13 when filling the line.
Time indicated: 11,06
